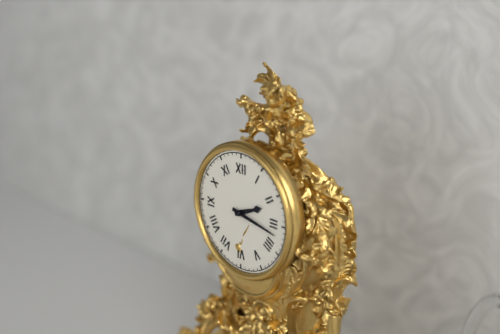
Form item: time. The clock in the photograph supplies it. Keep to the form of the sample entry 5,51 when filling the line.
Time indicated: 2,17
